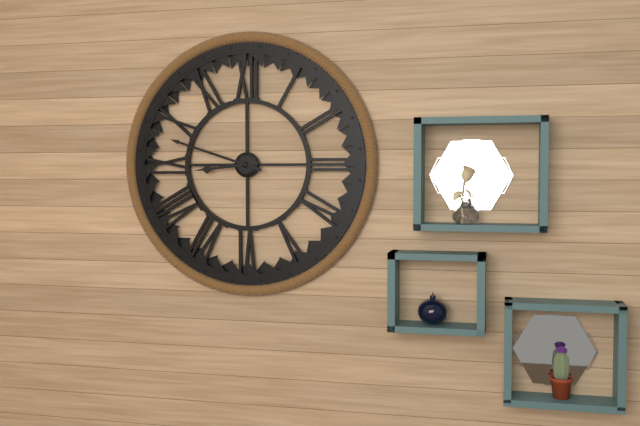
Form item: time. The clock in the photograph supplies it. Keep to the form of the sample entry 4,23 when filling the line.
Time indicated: 8,48
